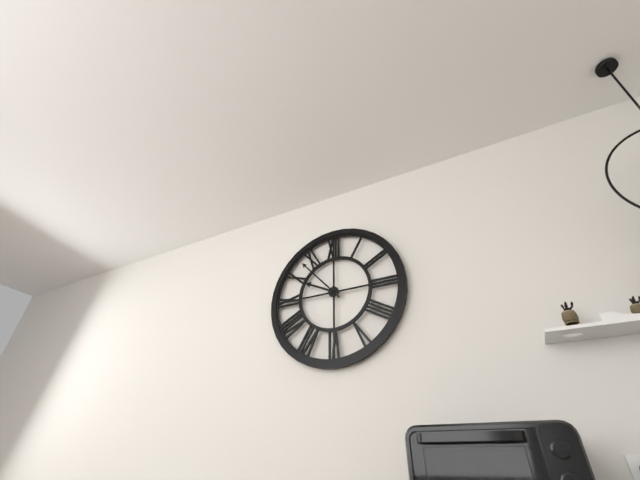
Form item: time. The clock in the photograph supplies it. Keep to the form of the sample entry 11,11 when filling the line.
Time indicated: 9,53
